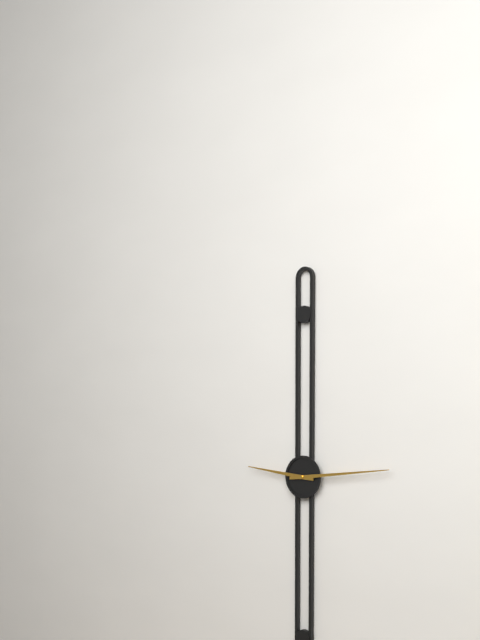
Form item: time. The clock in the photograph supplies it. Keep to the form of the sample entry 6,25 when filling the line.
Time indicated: 9,14
